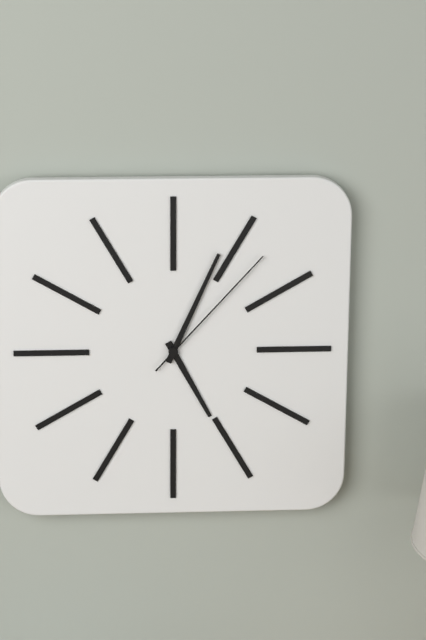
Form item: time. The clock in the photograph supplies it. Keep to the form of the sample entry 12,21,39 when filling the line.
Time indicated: 5,04,07
